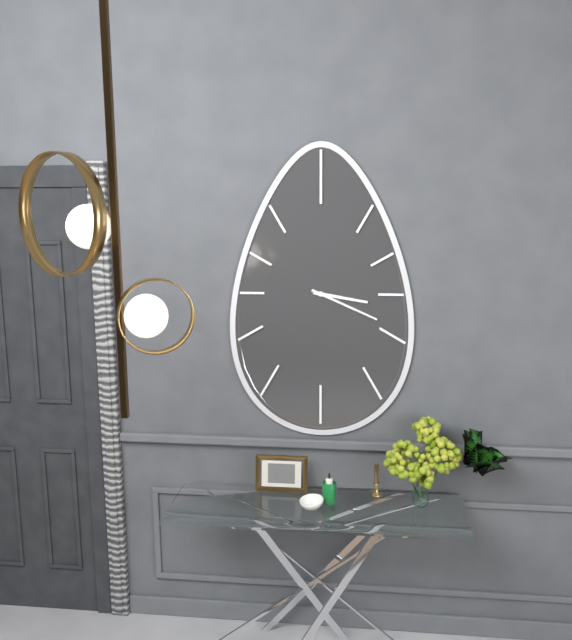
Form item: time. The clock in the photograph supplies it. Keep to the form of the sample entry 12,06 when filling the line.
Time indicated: 3,19
